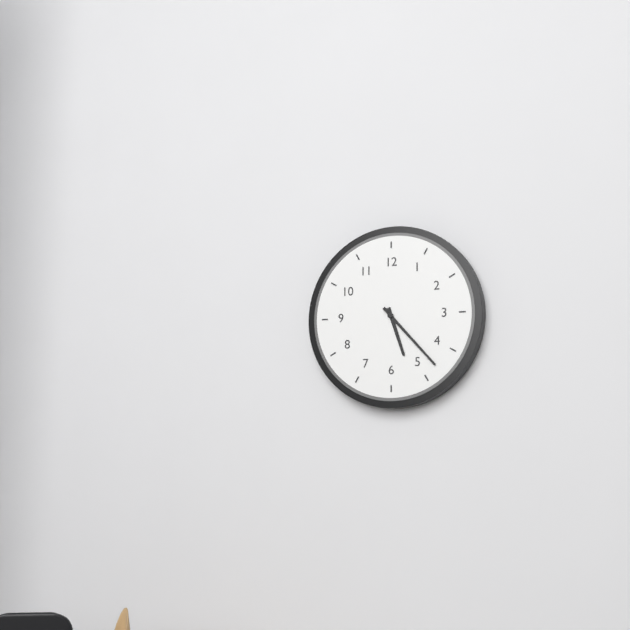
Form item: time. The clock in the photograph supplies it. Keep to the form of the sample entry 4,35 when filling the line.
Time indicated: 5,23
